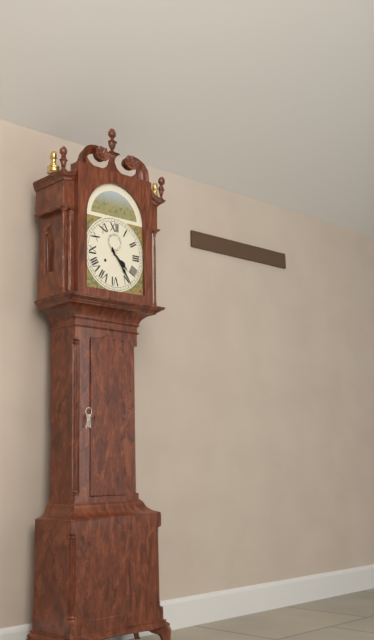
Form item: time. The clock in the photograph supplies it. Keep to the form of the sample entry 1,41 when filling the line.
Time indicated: 4,24
